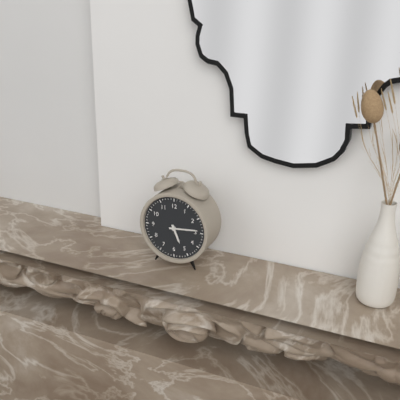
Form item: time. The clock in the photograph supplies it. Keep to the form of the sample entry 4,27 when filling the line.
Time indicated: 5,14
